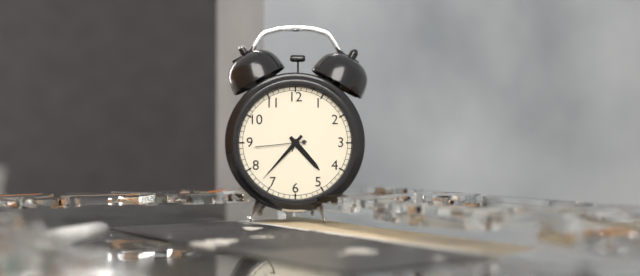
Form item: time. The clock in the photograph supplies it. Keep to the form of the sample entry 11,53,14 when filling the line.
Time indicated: 4,37,44
